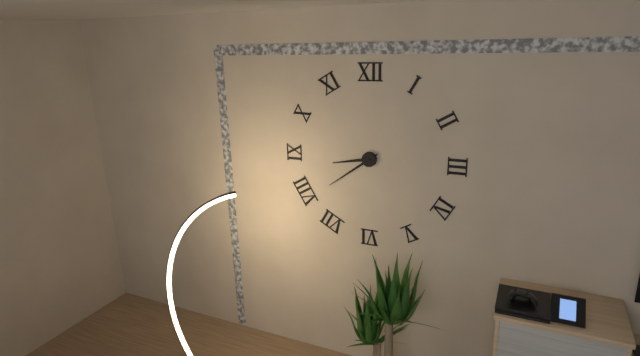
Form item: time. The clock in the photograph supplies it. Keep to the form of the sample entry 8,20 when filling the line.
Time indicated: 8,39
